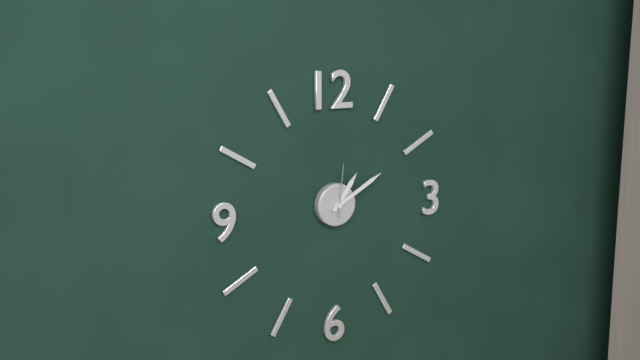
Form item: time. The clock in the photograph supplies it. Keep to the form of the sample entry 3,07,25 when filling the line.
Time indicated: 1,10,01
